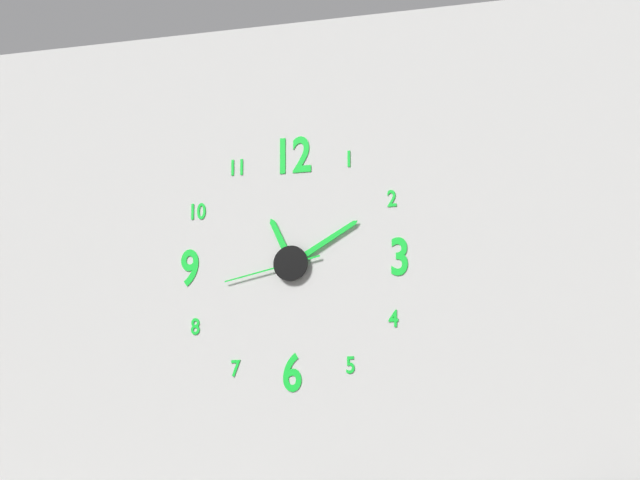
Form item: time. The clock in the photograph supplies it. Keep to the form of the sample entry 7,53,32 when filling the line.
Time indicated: 11,10,43
